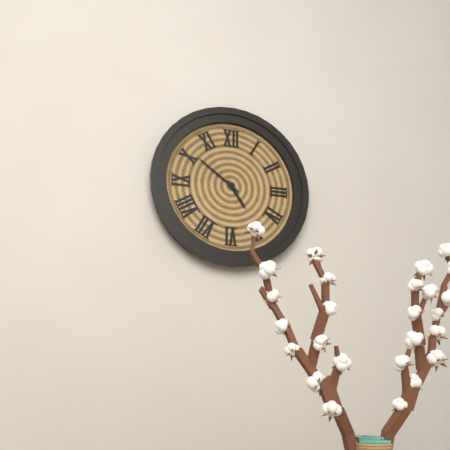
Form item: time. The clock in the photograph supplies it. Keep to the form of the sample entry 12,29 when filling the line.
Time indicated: 4,51
